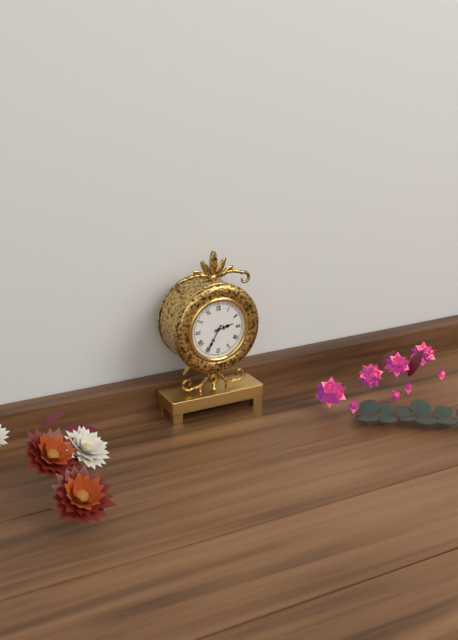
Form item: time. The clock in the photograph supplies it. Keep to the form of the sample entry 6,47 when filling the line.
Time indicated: 2,35
